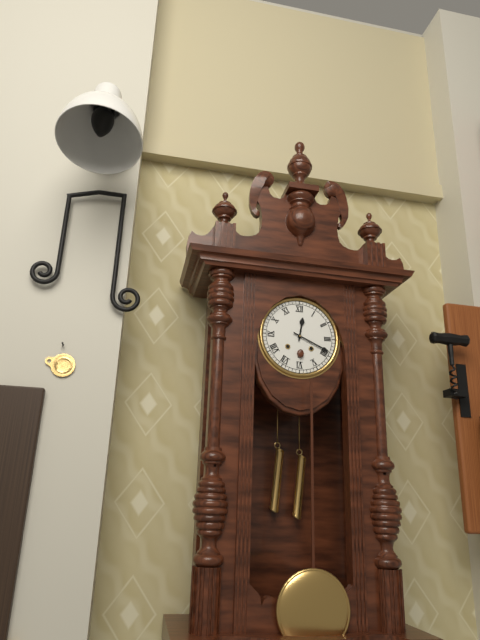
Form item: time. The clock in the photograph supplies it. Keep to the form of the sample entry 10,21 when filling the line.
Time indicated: 12,19
